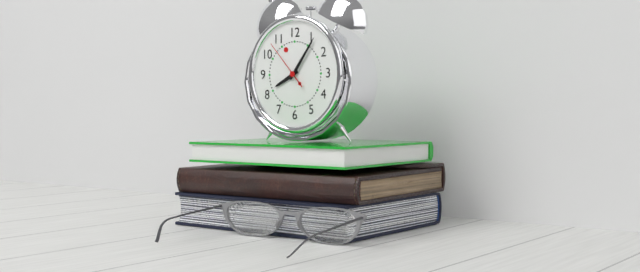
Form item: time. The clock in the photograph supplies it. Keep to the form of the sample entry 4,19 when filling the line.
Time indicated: 8,06
